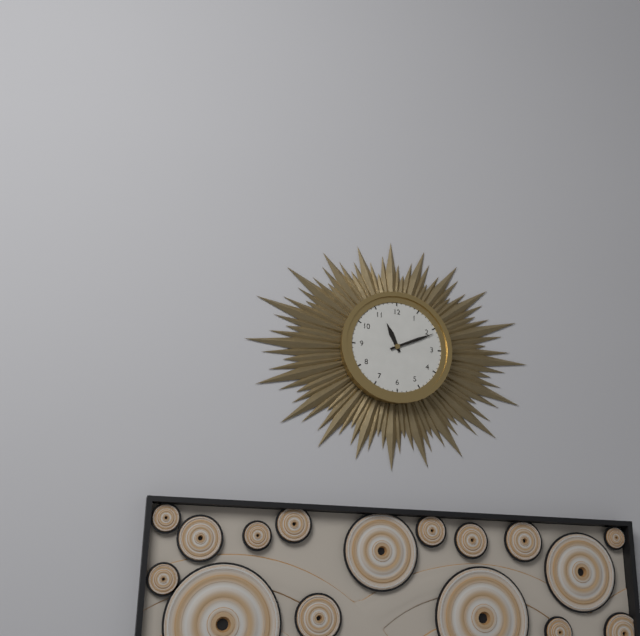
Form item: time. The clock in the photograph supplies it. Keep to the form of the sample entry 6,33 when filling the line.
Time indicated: 11,11
